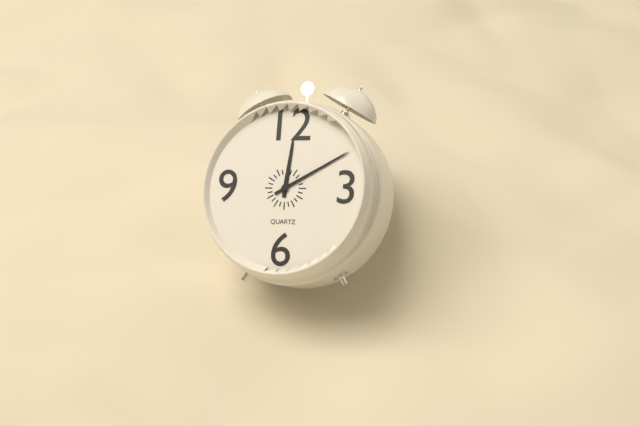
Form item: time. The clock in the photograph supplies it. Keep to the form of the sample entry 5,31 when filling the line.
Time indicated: 12,10
